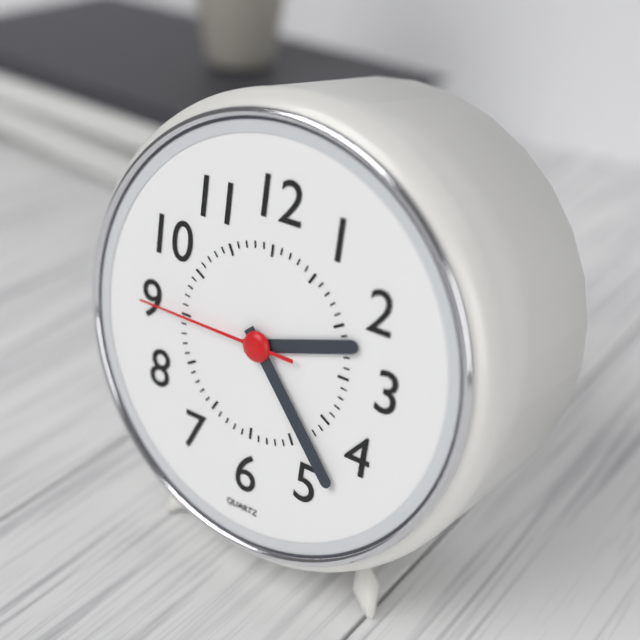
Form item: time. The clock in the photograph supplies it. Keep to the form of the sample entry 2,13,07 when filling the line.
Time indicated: 2,23,45
